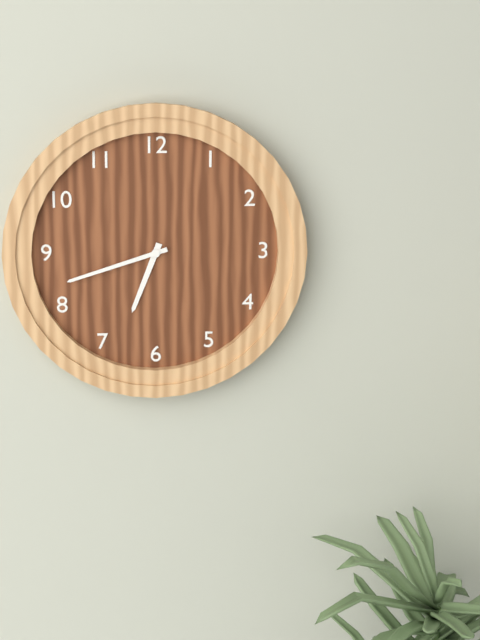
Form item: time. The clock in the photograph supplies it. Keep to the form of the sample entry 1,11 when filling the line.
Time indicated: 6,42
